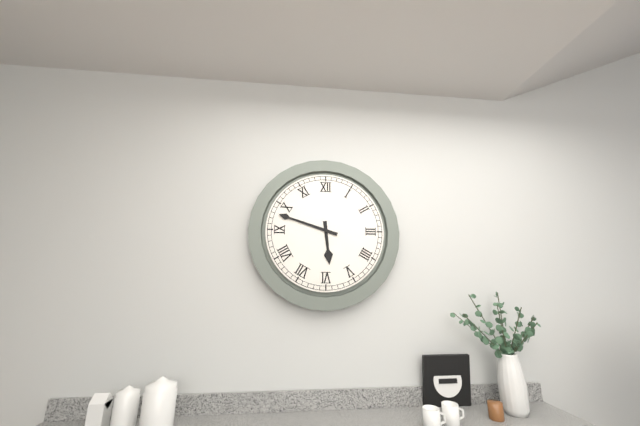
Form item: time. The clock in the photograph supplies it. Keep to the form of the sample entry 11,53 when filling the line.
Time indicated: 5,48
